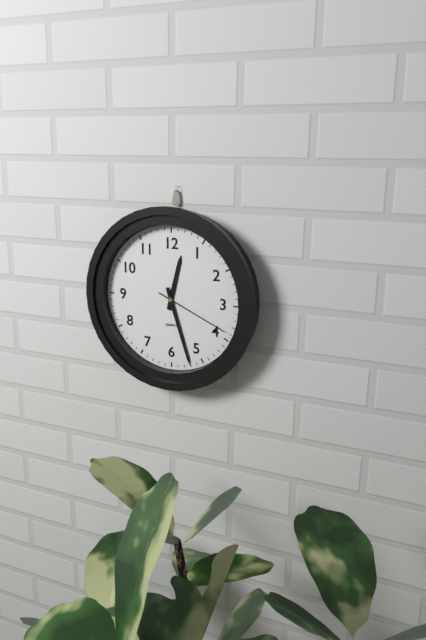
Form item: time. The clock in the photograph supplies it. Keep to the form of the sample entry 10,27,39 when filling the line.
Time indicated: 12,27,19
